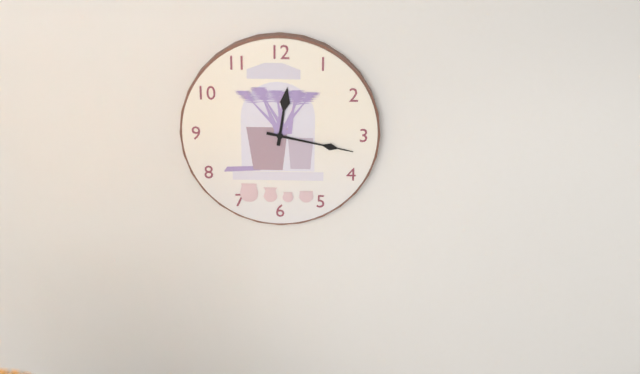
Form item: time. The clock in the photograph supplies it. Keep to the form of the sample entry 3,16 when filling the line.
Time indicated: 12,17
